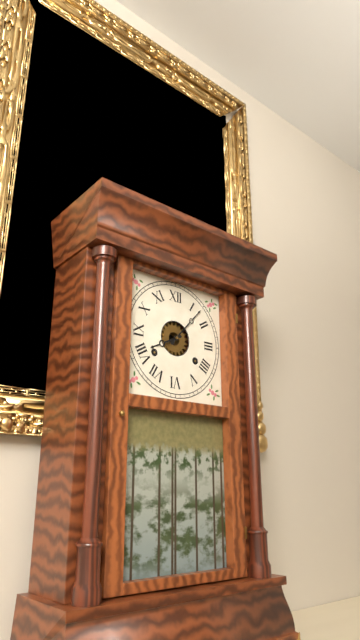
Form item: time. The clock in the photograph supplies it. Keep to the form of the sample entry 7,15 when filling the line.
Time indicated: 8,07
